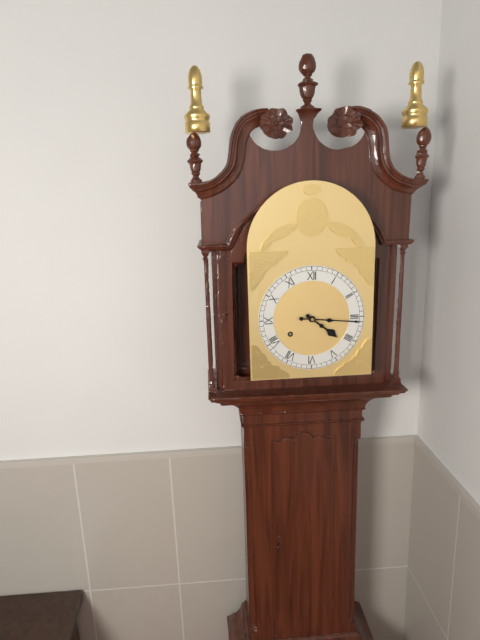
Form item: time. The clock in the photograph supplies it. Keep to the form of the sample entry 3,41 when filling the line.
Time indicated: 4,16
